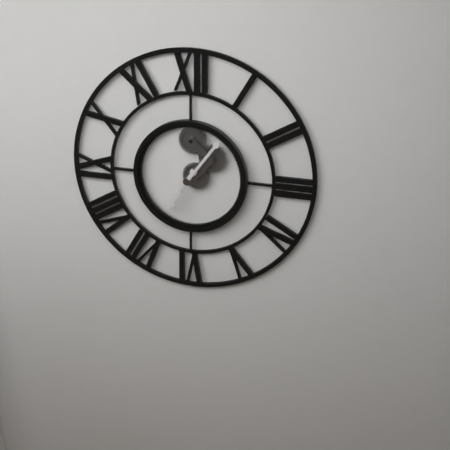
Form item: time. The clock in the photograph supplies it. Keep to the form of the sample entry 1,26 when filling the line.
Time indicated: 7,06
